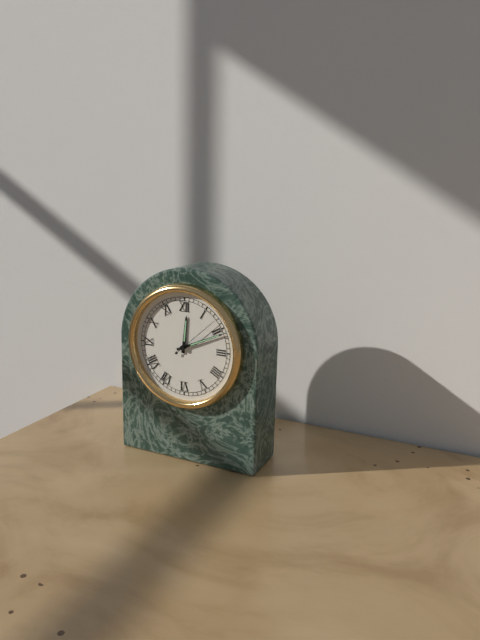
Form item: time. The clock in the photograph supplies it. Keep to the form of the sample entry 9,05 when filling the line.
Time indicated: 12,11
